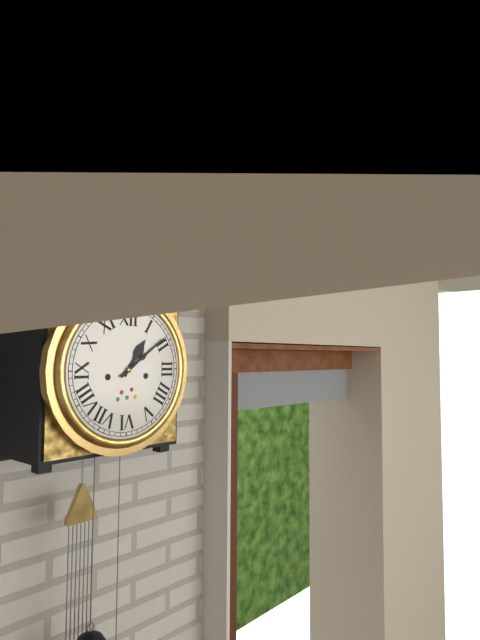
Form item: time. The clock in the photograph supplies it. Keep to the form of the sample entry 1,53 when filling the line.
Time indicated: 1,09
